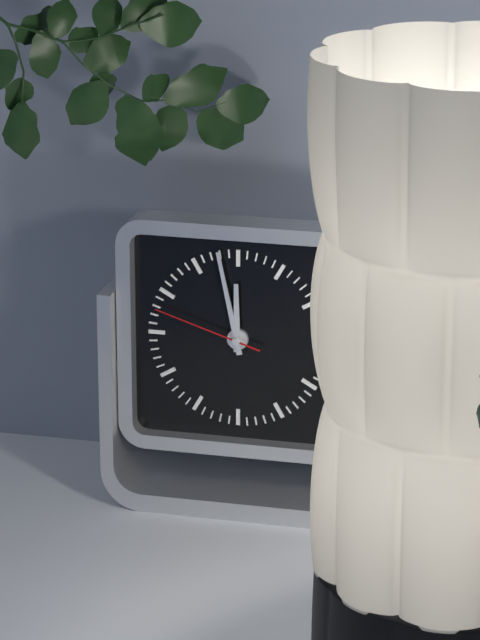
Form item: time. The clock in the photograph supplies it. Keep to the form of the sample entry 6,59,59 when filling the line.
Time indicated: 11,58,48
